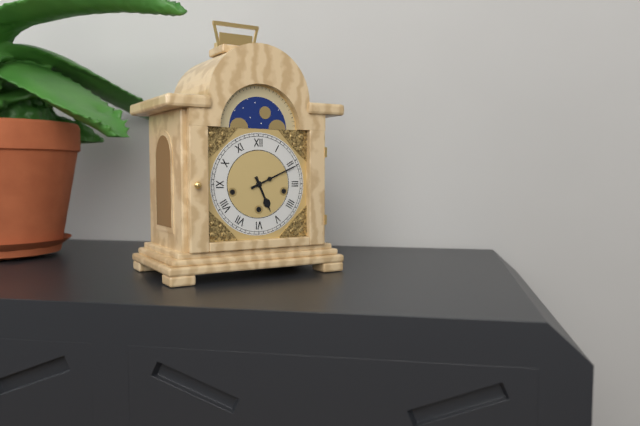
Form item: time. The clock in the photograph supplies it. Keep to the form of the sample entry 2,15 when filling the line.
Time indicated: 5,11
